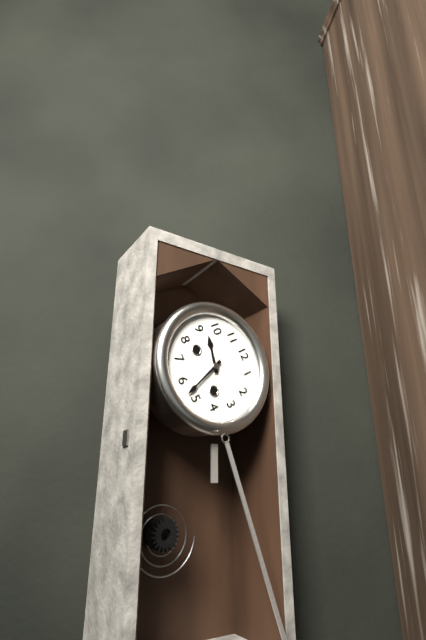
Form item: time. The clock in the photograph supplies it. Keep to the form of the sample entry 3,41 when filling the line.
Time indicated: 9,27
